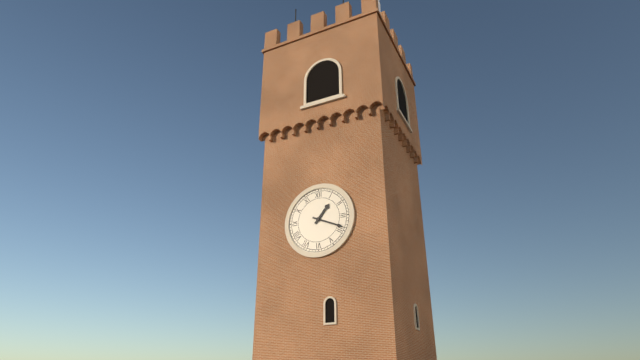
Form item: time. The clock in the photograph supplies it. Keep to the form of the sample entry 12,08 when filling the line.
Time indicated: 1,19
